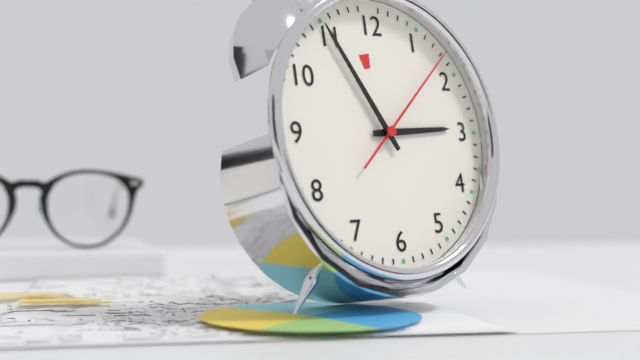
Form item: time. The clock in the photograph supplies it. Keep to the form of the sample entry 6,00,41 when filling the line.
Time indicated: 2,55,08
